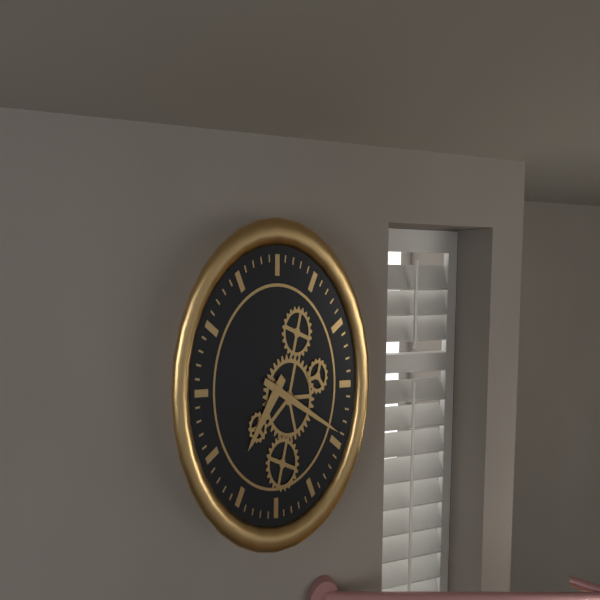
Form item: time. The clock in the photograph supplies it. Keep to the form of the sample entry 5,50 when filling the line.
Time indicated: 7,19
